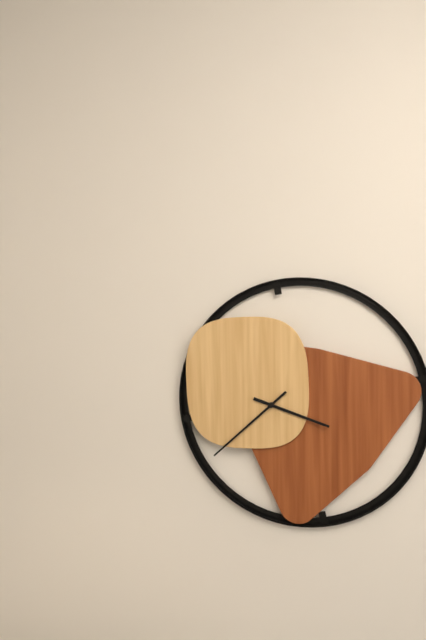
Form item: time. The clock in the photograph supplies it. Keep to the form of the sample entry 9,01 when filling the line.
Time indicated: 3,38
